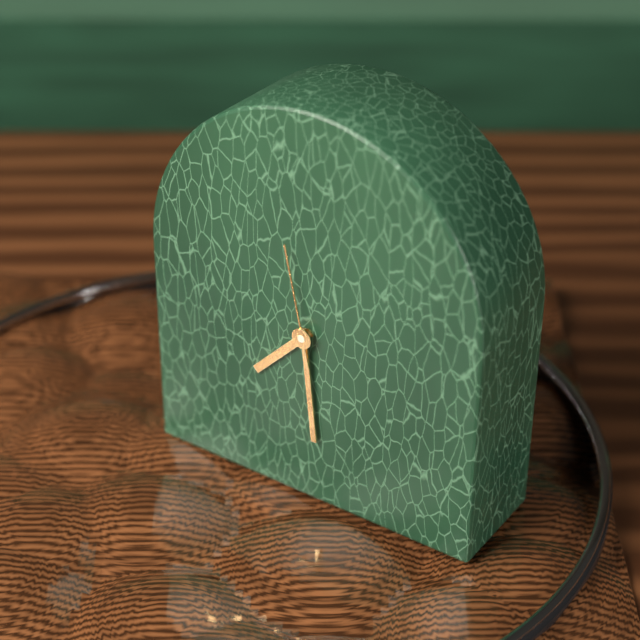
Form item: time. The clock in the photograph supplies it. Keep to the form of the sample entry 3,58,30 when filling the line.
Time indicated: 7,29,58
